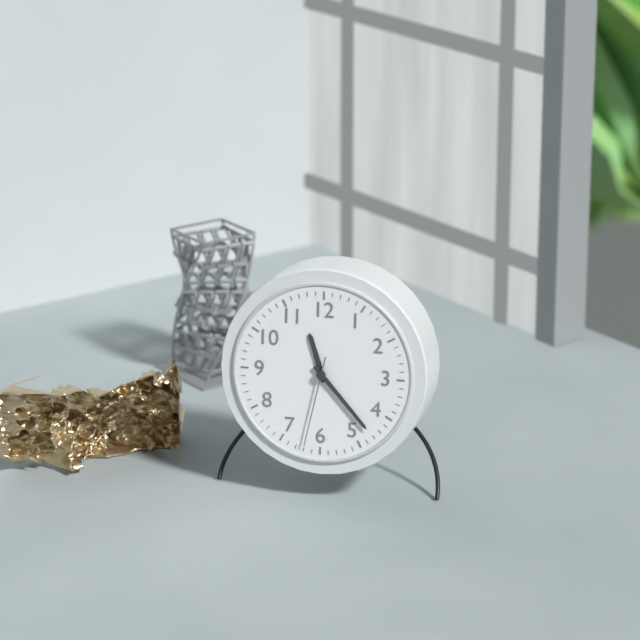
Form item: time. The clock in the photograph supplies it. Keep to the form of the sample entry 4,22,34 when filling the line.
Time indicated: 11,23,32
